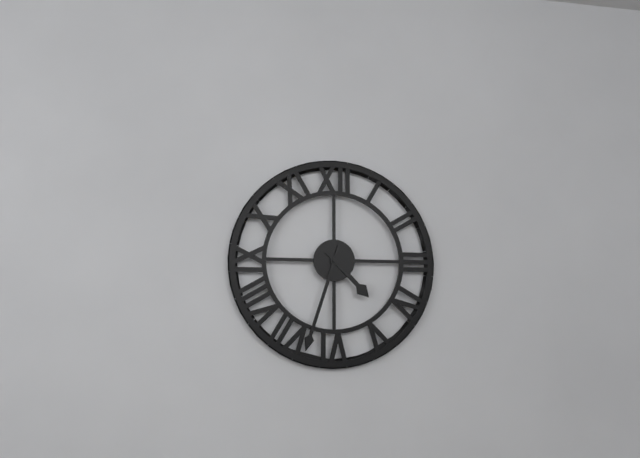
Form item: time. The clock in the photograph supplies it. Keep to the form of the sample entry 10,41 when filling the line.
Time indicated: 4,33
